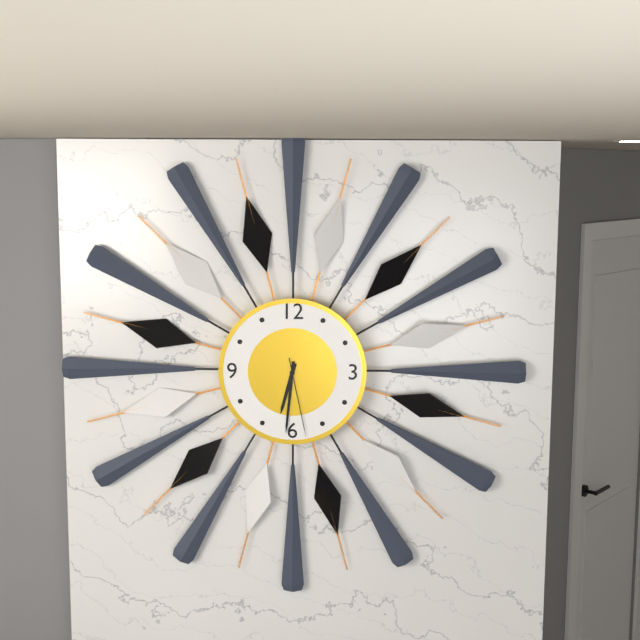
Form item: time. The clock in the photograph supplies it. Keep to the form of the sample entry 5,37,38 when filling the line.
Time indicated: 6,31,28
